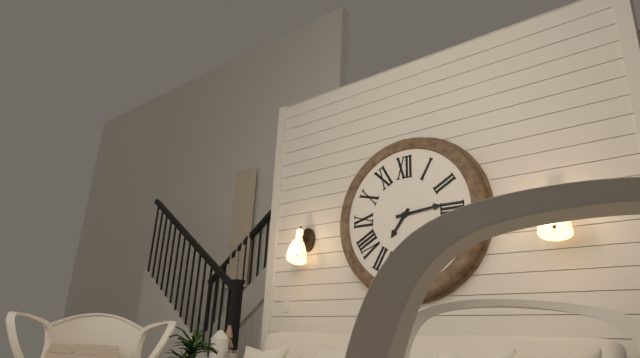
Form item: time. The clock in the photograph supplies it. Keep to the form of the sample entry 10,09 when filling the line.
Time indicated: 7,14
